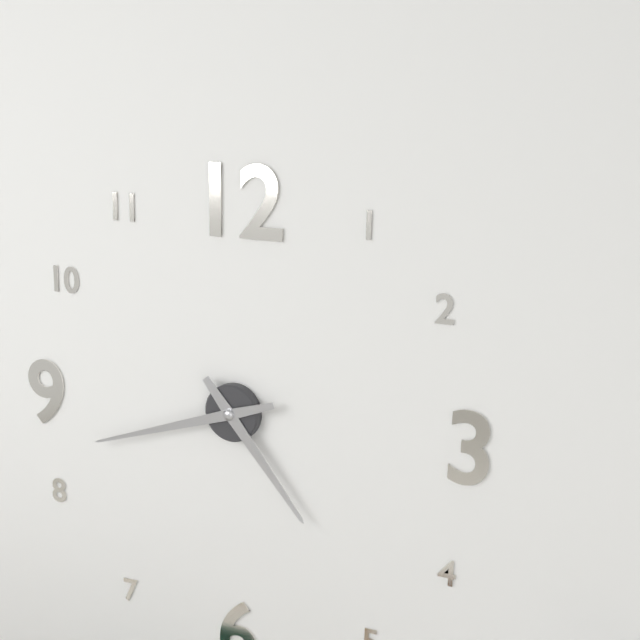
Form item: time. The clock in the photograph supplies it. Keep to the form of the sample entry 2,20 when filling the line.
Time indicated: 4,42
